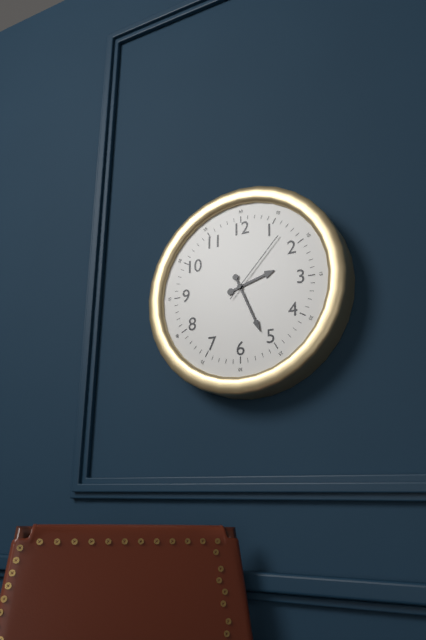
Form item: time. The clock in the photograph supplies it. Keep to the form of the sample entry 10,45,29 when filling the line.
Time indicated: 2,26,07
